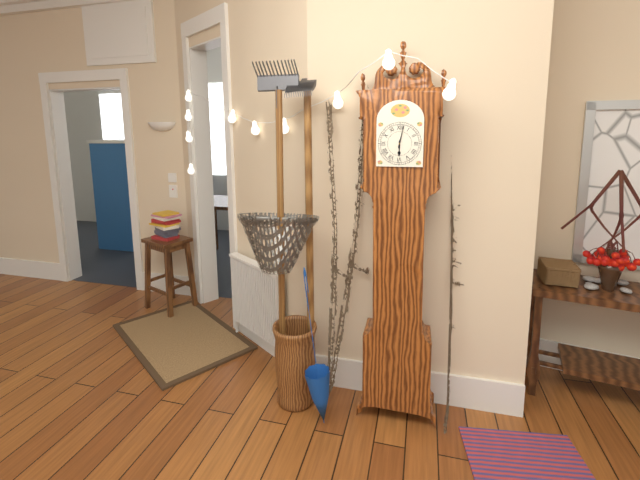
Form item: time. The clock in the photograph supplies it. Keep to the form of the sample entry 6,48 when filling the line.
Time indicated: 6,02
